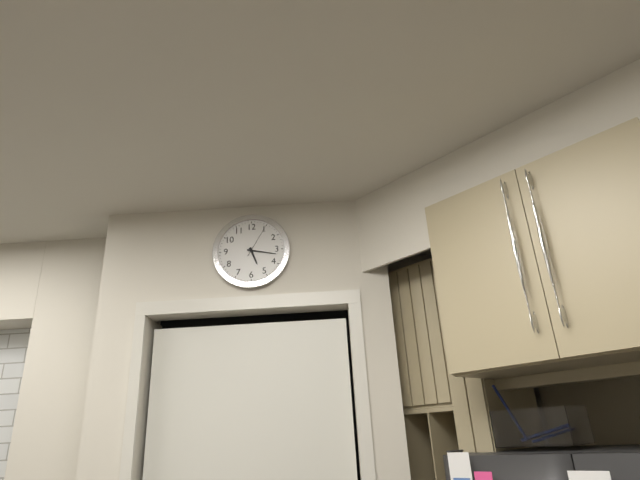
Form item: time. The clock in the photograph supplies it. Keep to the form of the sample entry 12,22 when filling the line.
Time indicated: 5,17
